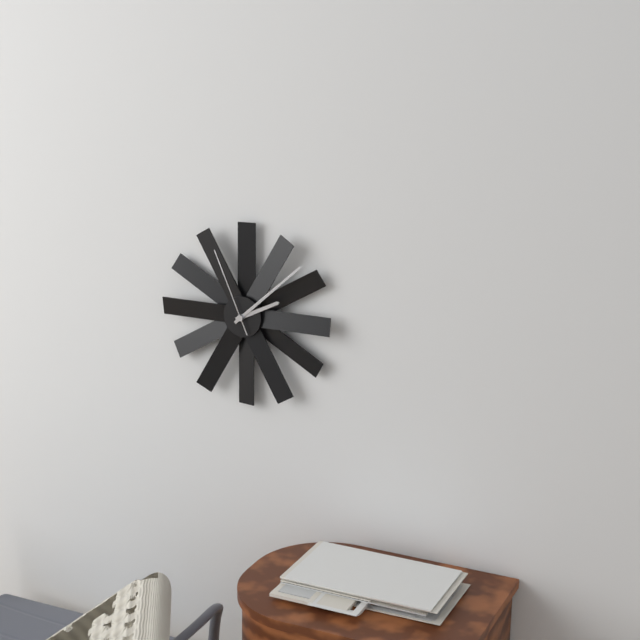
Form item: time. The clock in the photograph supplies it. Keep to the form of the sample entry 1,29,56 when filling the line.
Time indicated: 2,08,56
